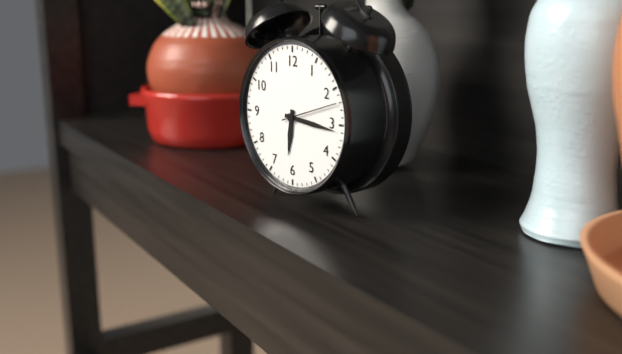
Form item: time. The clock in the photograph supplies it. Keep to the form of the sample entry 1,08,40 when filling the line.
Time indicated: 6,16,12
